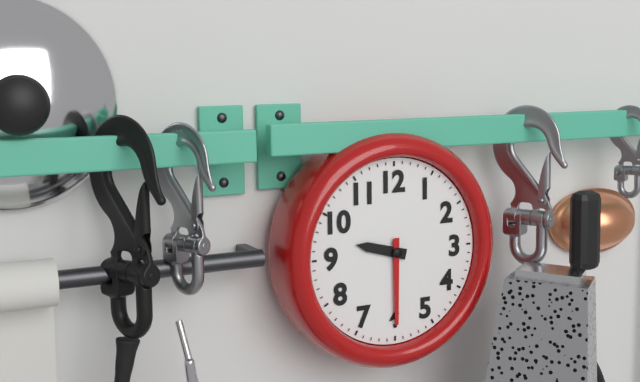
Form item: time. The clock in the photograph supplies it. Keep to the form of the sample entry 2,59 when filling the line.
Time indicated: 9,30
